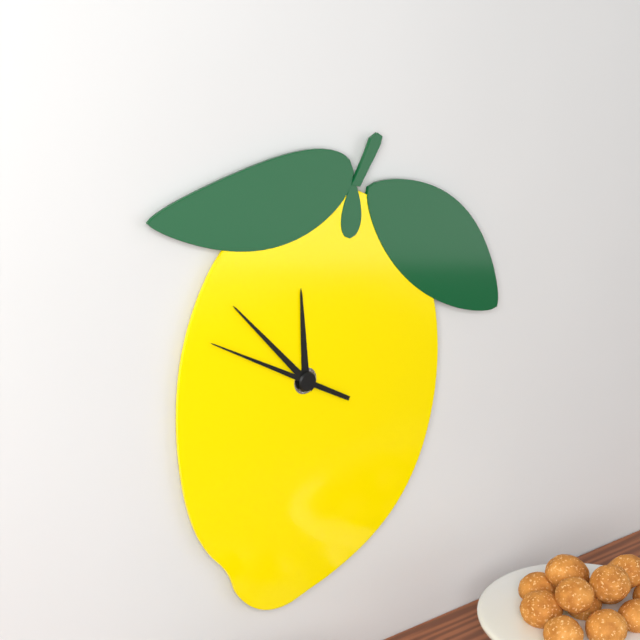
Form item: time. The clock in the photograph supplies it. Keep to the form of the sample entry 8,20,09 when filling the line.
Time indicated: 11,53,50
